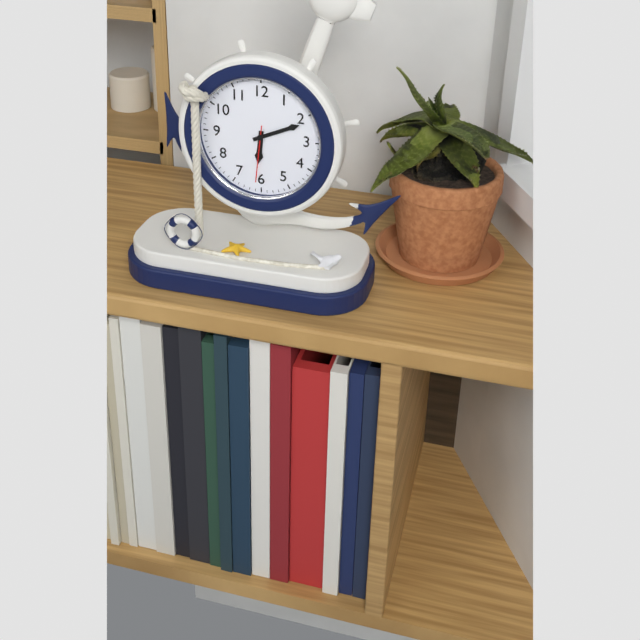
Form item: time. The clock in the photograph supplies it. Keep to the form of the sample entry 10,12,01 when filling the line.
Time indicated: 6,11,31
